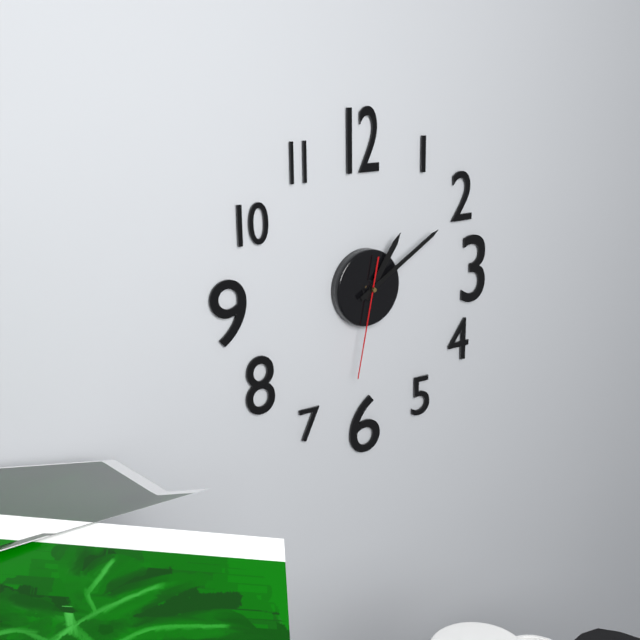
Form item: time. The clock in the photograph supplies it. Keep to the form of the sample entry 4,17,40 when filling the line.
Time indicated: 1,10,32
